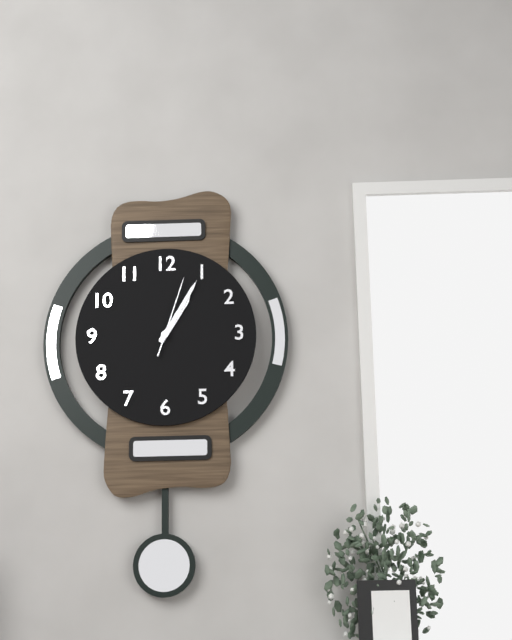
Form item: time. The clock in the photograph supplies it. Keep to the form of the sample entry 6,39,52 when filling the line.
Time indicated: 1,05,03
